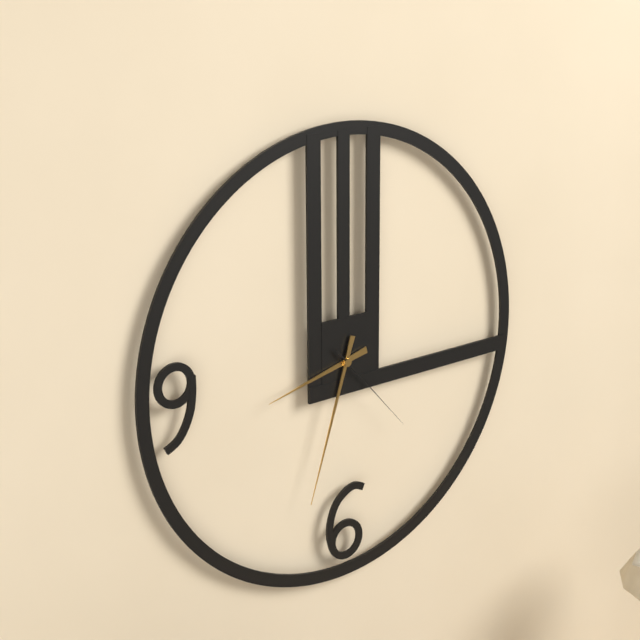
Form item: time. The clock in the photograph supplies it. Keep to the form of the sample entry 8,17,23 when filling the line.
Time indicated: 8,33,23
